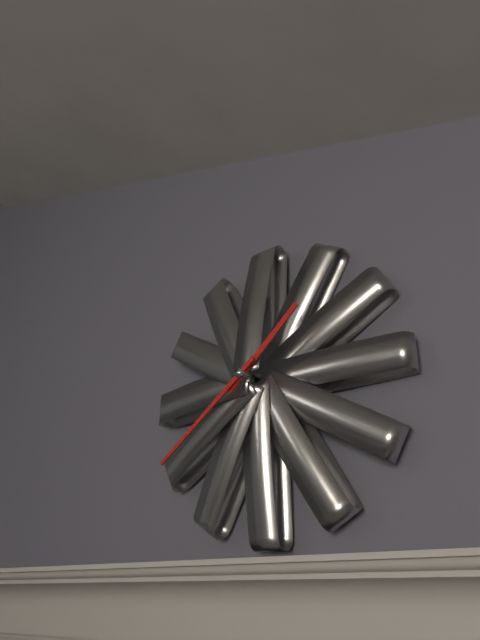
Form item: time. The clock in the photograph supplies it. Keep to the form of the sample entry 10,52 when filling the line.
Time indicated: 1,39
